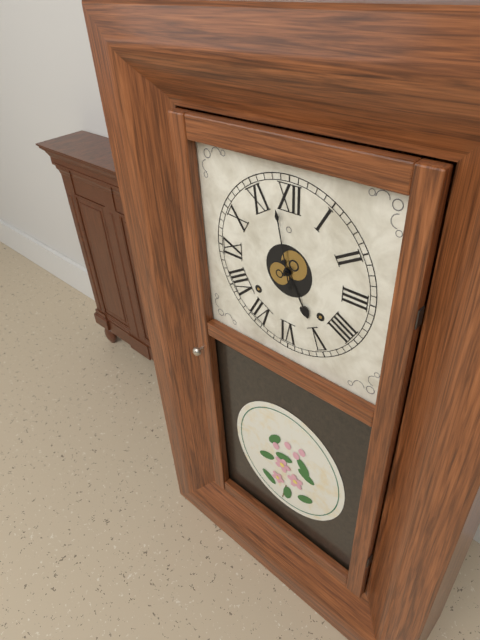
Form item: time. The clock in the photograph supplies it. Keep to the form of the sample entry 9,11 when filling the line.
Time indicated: 4,58
